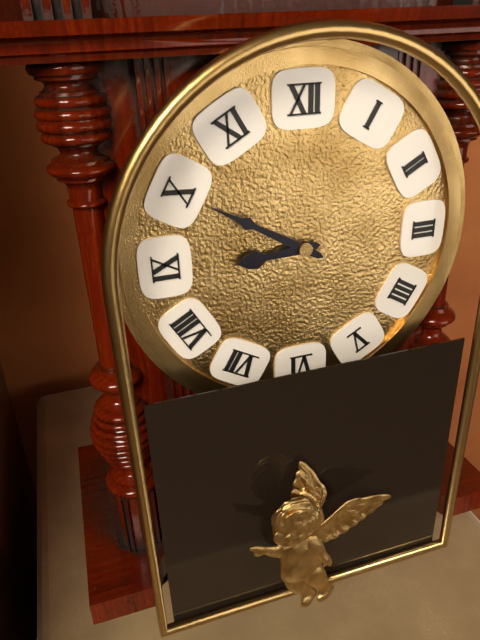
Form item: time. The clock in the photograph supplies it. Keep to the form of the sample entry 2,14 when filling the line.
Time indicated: 8,50
